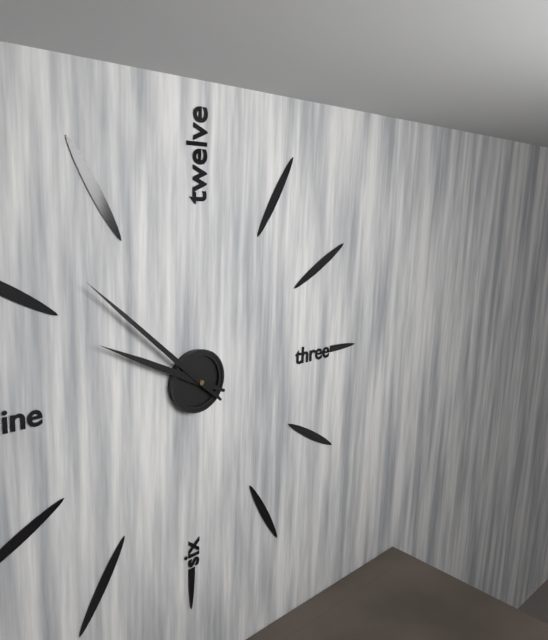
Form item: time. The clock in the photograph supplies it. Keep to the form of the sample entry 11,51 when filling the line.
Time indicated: 9,52
